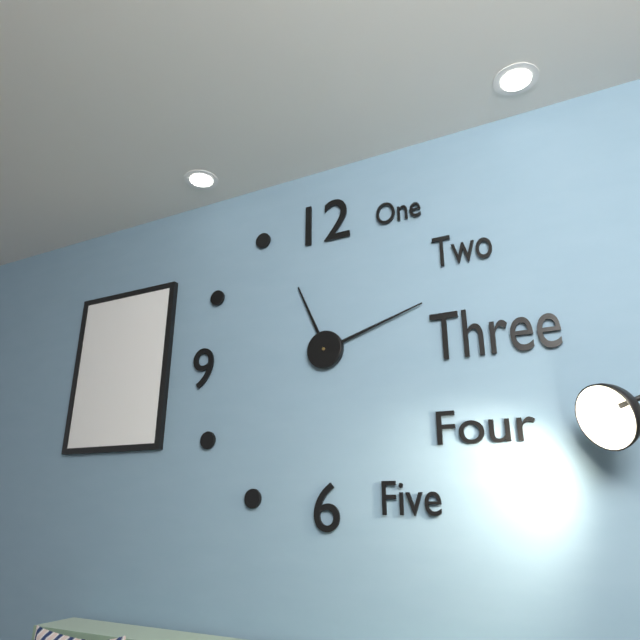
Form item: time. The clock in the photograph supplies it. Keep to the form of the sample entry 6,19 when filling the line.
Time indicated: 11,12
